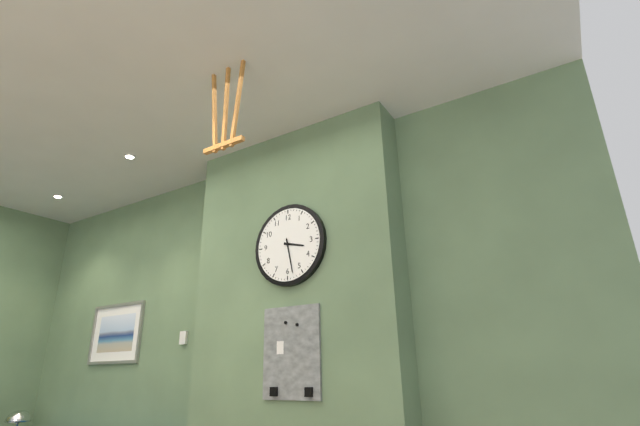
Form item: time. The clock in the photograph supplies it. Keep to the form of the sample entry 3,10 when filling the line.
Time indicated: 3,28
